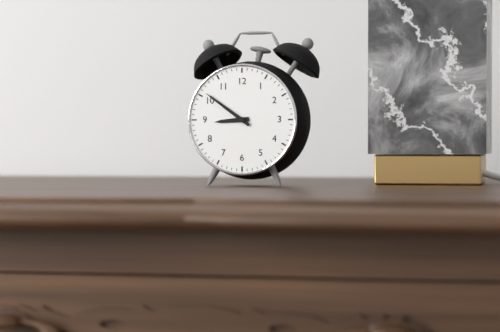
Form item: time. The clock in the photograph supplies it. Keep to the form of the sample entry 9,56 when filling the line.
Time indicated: 8,51
